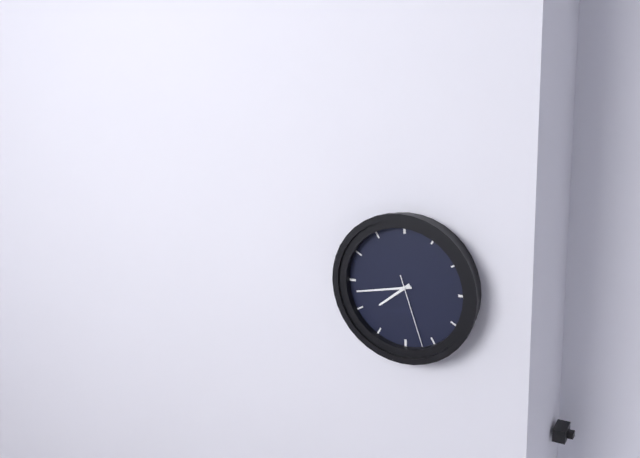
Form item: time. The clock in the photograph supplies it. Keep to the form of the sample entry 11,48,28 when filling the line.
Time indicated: 7,43,27
